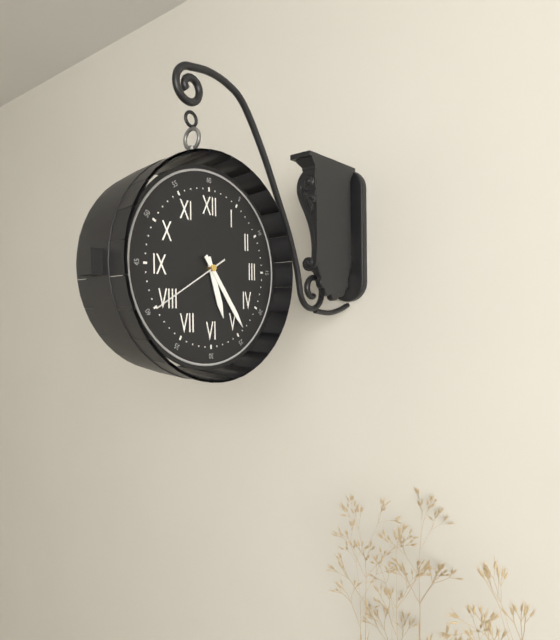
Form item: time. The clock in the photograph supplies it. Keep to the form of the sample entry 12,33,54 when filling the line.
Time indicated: 5,24,40
